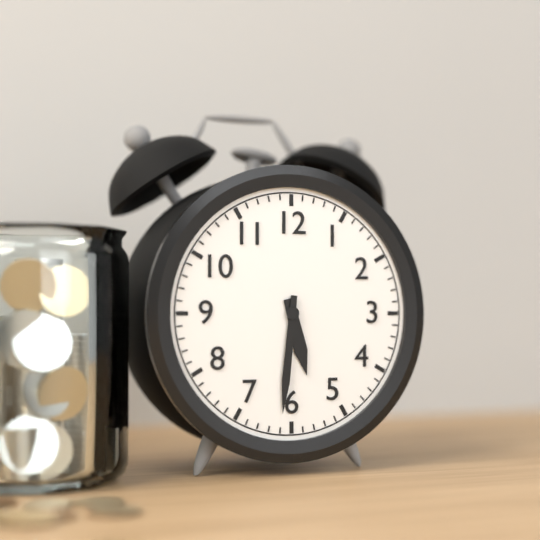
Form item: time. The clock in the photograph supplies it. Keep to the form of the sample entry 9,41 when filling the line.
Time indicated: 5,31
